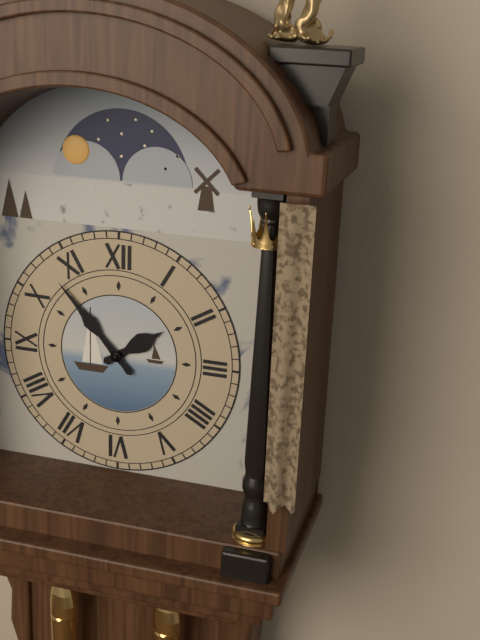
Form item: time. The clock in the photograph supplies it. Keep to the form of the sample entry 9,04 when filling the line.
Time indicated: 1,53
